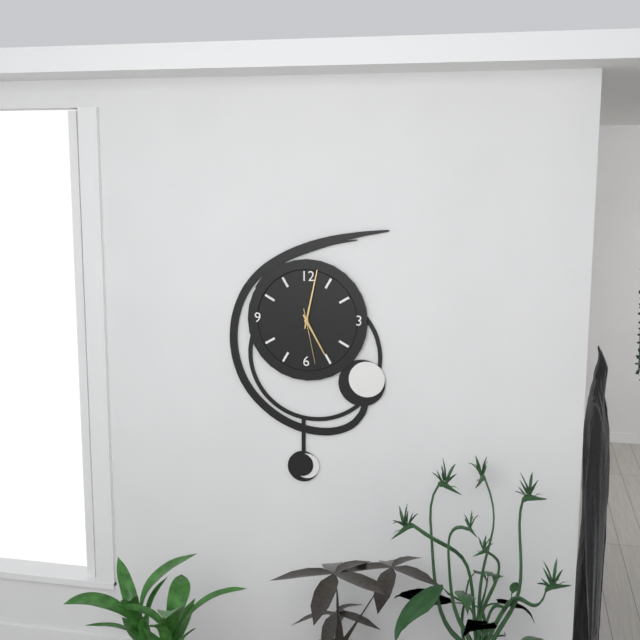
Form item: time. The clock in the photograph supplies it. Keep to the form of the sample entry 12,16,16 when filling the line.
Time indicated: 5,02,28
